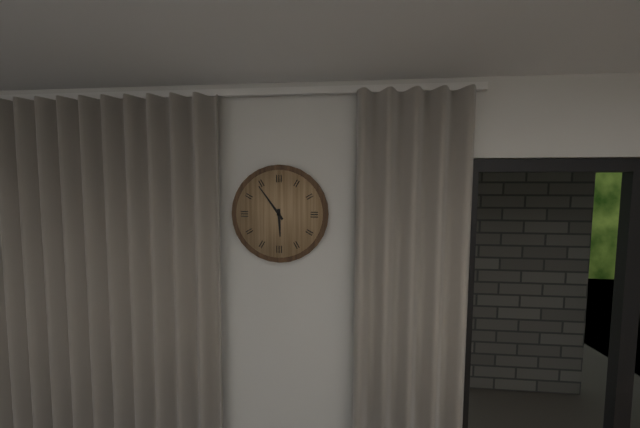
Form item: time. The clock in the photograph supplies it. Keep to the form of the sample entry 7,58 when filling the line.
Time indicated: 5,54
